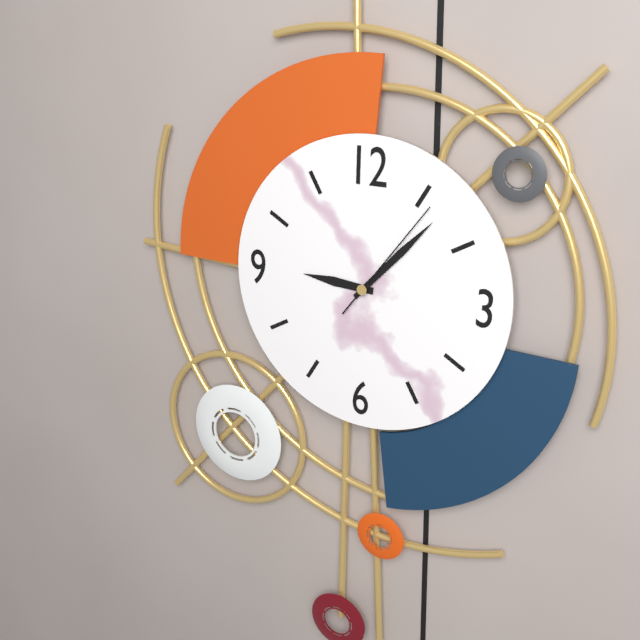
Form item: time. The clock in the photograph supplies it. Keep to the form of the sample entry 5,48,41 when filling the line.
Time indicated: 9,07,06
